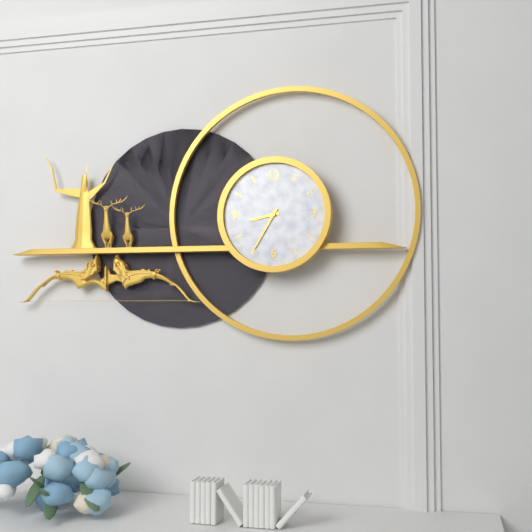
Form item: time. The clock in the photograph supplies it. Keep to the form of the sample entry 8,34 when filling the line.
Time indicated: 8,35
